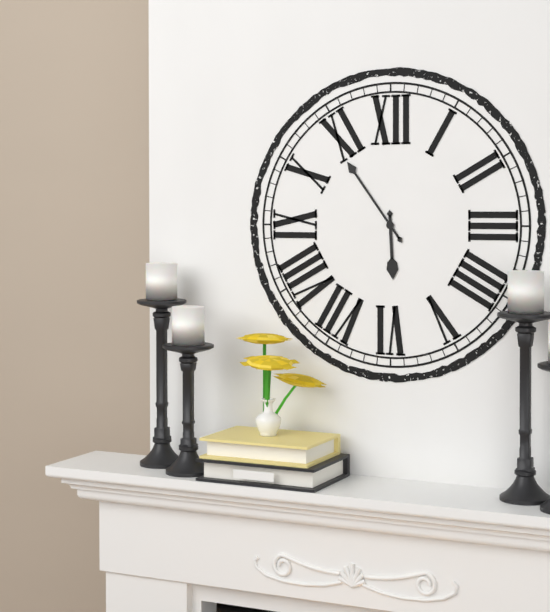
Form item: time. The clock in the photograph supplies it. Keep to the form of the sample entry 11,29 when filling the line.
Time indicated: 5,54
